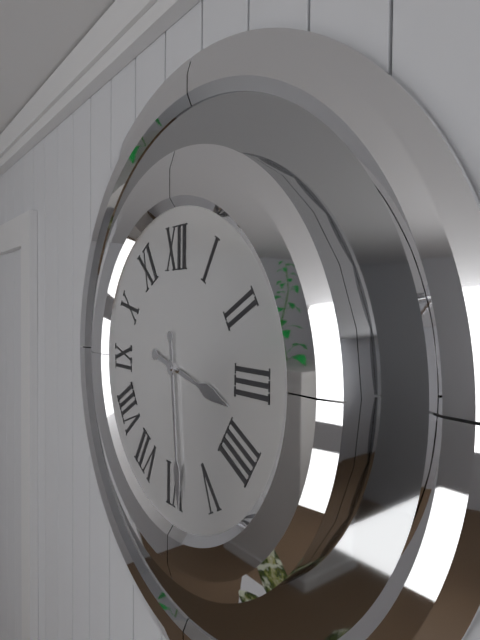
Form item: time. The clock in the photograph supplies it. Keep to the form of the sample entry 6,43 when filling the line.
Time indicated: 3,29
